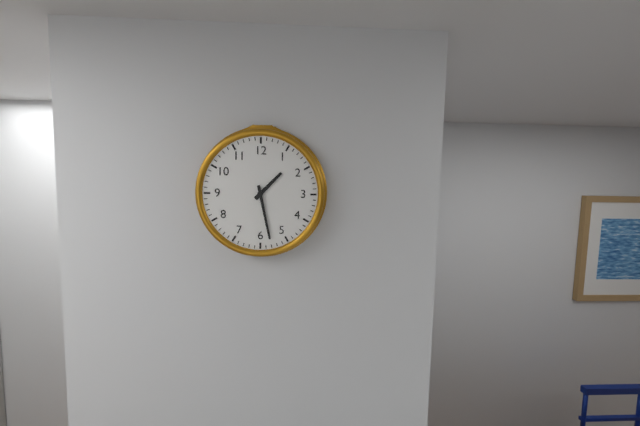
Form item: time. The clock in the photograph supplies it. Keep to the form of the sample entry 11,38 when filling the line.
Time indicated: 1,28
